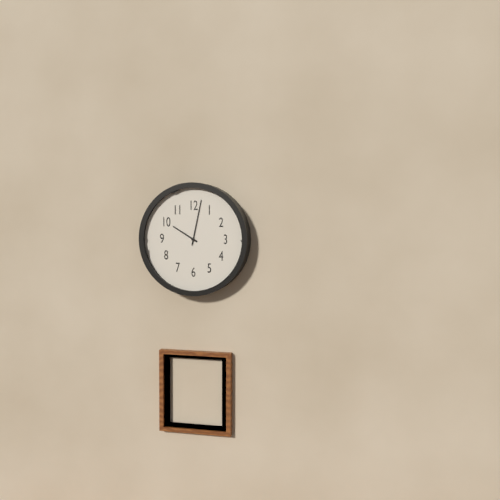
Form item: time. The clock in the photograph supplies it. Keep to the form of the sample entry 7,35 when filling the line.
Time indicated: 10,02
